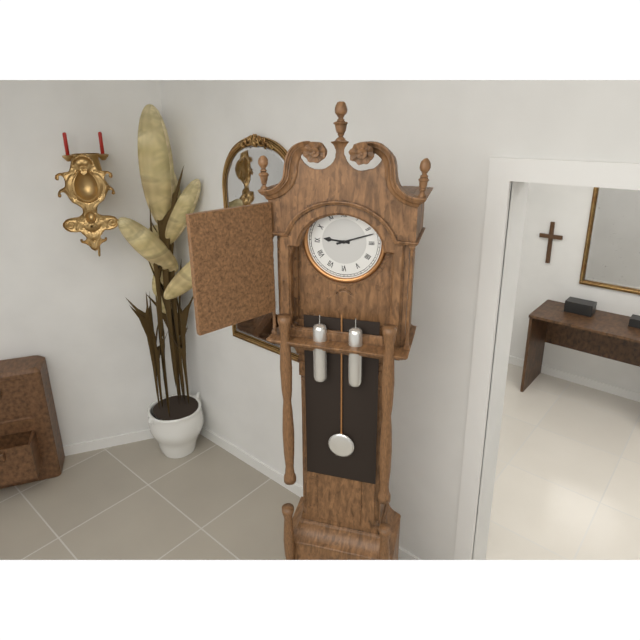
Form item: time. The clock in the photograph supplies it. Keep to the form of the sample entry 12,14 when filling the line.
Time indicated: 9,12
